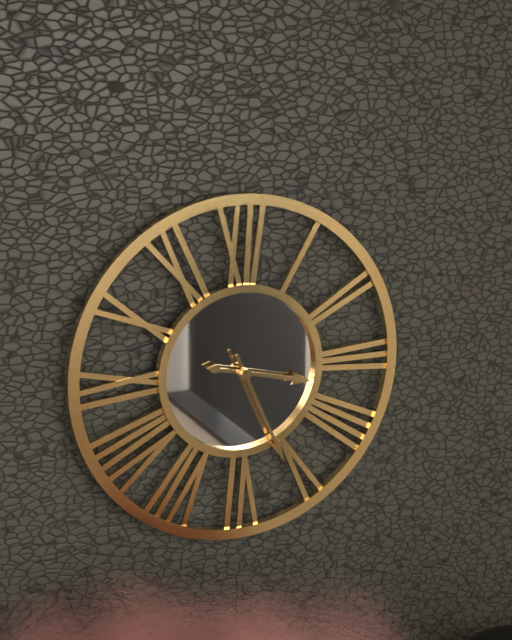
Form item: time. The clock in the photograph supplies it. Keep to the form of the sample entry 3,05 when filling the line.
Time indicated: 3,26
